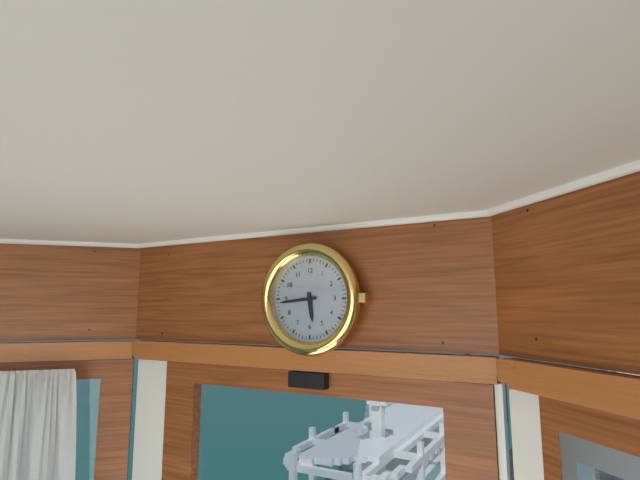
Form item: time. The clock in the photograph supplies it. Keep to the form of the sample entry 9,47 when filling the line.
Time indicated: 5,44
